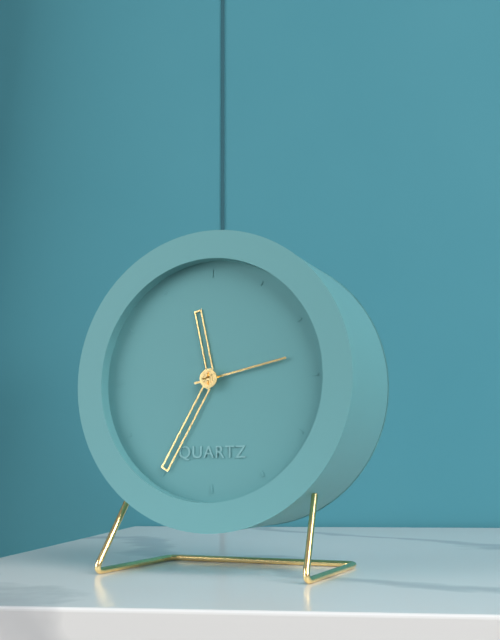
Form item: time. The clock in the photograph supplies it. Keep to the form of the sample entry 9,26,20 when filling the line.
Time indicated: 11,35,13
